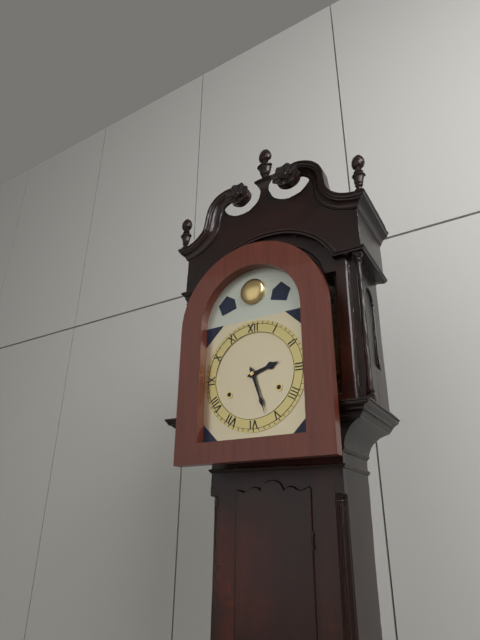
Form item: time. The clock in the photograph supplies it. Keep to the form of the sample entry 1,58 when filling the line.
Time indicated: 2,27
